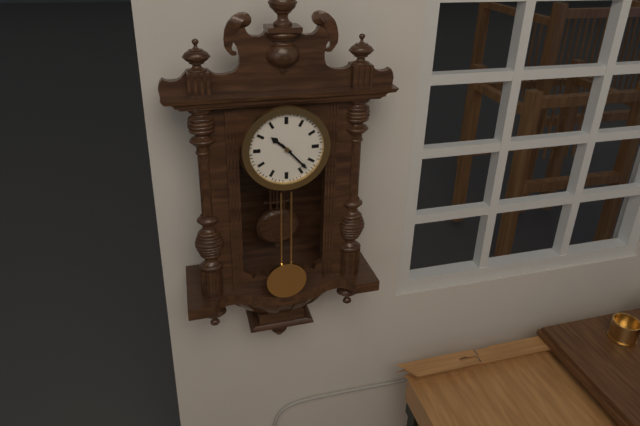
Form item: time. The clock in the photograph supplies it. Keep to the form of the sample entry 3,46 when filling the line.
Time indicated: 10,23
